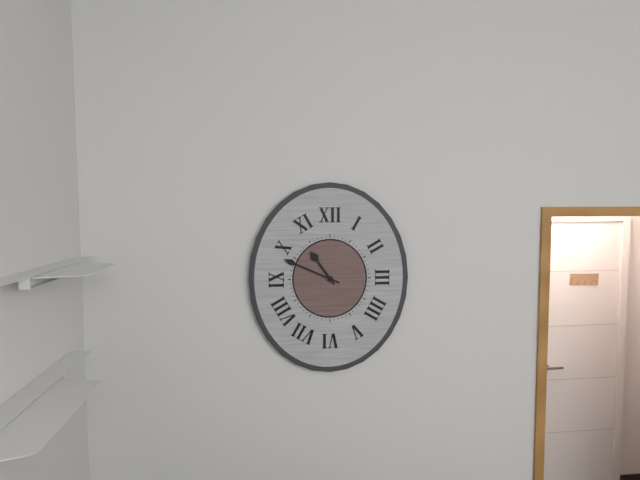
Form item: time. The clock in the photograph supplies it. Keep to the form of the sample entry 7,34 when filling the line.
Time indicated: 10,49
